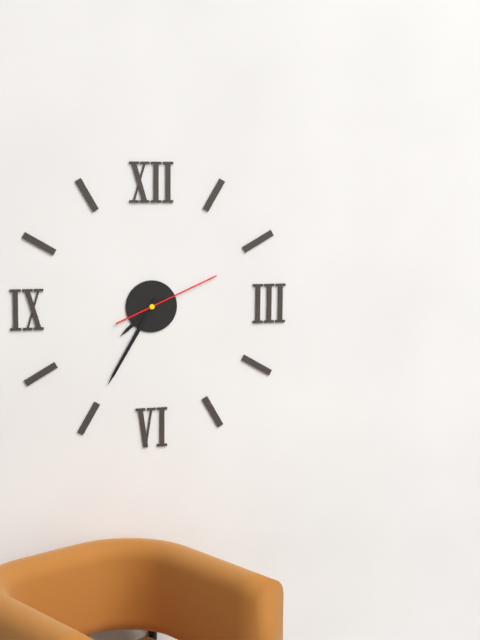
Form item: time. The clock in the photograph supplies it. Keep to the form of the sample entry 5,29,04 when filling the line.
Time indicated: 7,35,11
